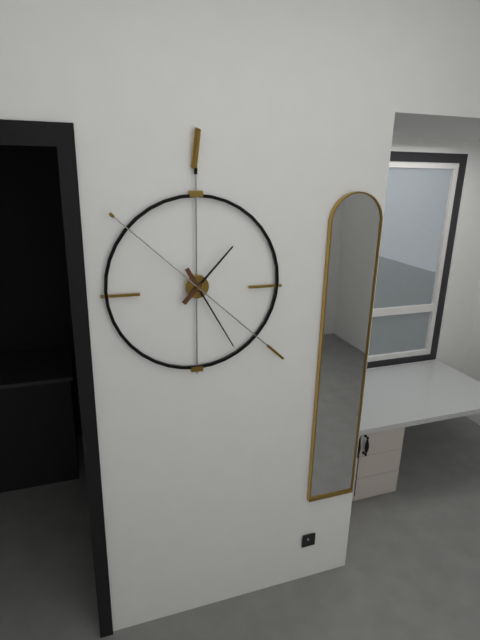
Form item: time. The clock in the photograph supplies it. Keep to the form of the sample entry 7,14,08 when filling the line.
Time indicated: 1,25,22
